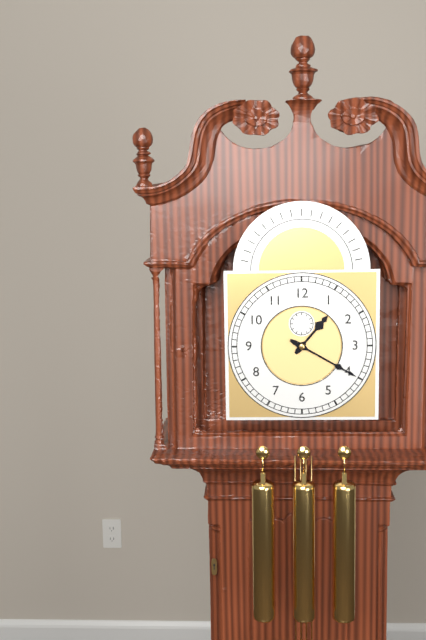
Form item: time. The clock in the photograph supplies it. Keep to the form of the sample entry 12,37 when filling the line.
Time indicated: 1,20
